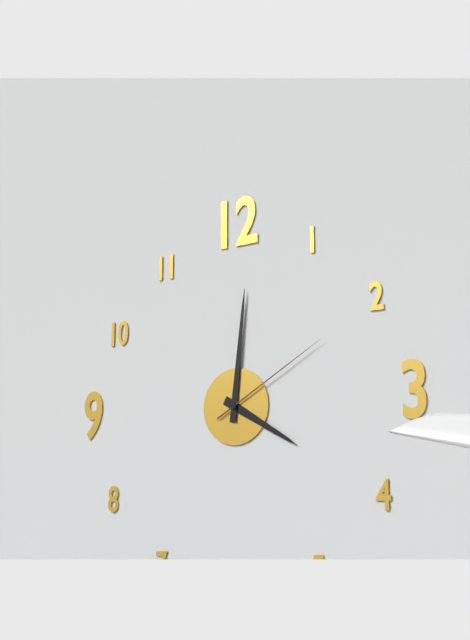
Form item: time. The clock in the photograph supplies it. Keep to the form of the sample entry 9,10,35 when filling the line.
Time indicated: 4,01,10
